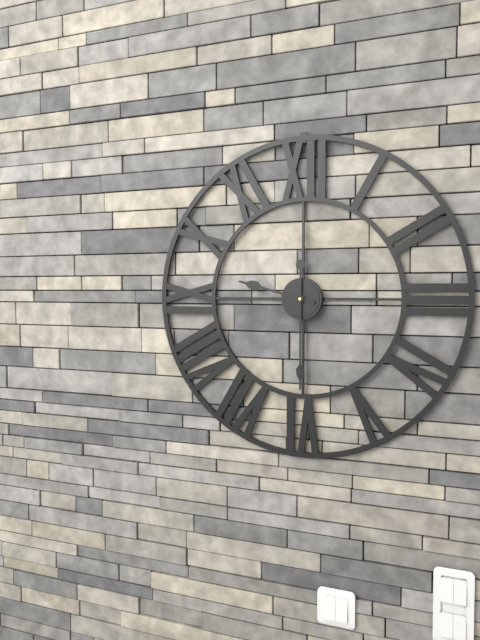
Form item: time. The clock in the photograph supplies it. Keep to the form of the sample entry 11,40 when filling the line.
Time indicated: 9,30
